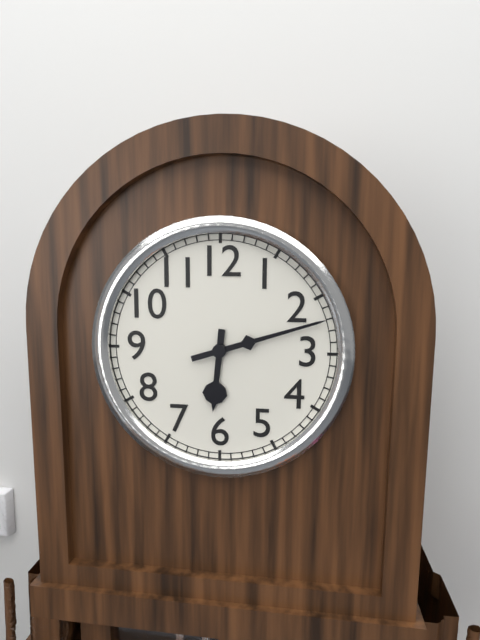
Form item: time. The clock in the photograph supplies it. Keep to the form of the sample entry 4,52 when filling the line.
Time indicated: 6,12
